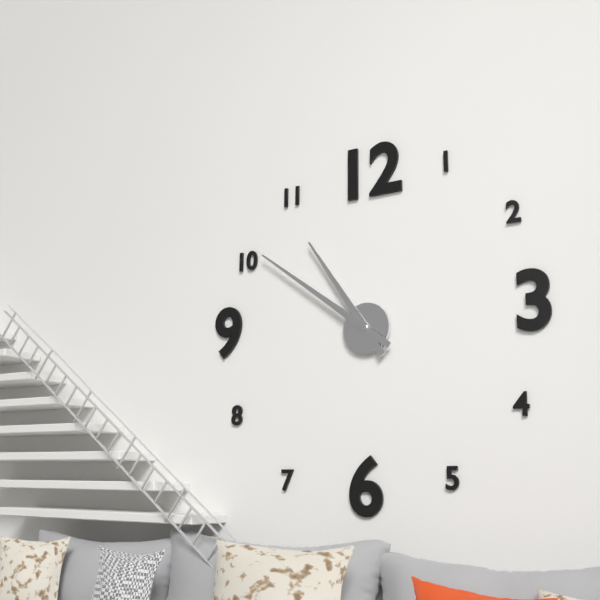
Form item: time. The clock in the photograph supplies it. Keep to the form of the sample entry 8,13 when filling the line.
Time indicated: 10,51
